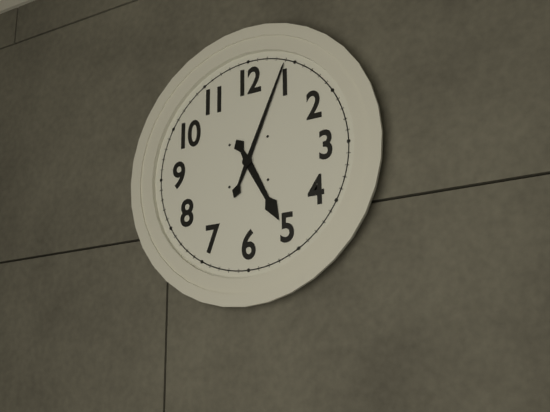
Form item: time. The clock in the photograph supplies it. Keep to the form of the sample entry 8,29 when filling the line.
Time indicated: 5,04
